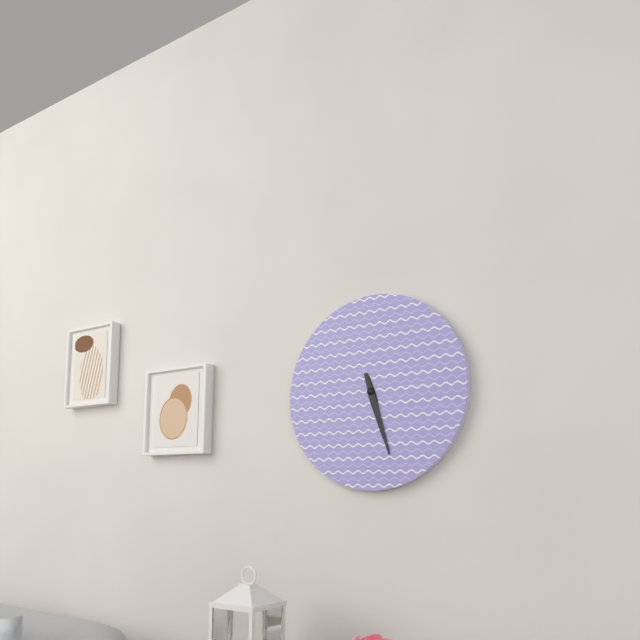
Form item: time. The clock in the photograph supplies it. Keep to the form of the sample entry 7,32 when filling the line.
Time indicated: 5,27
